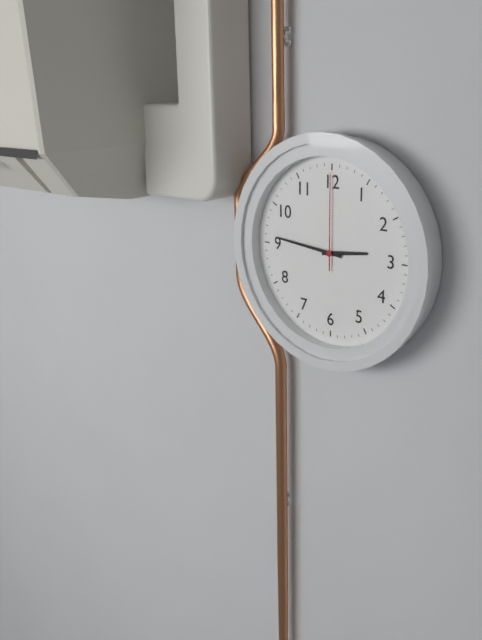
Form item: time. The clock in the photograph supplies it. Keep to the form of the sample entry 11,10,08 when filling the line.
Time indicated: 2,46,00
